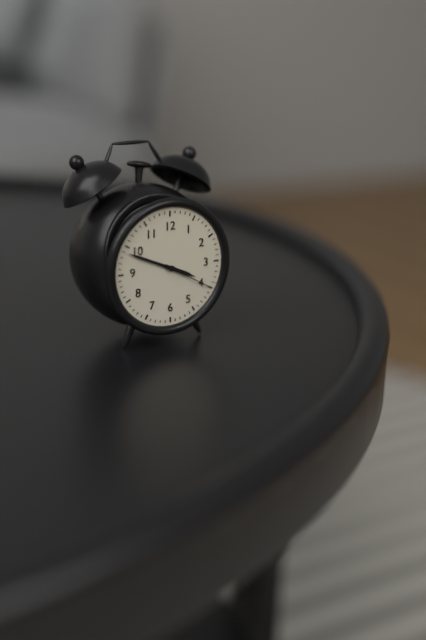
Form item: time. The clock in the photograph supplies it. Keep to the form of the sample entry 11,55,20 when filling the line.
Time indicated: 3,49,20
